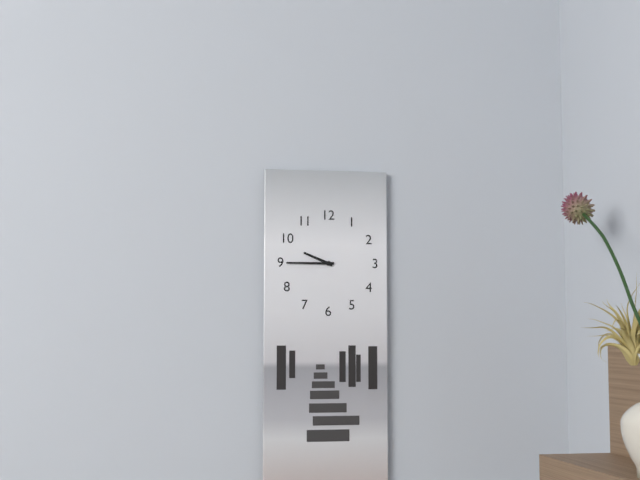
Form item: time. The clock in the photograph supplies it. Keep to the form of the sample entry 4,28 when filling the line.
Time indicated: 9,45
